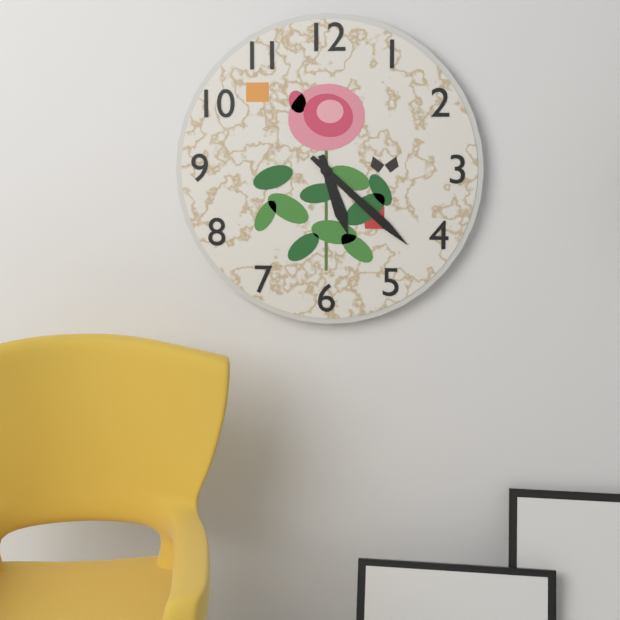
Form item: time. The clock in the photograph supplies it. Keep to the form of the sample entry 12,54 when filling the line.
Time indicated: 5,22
